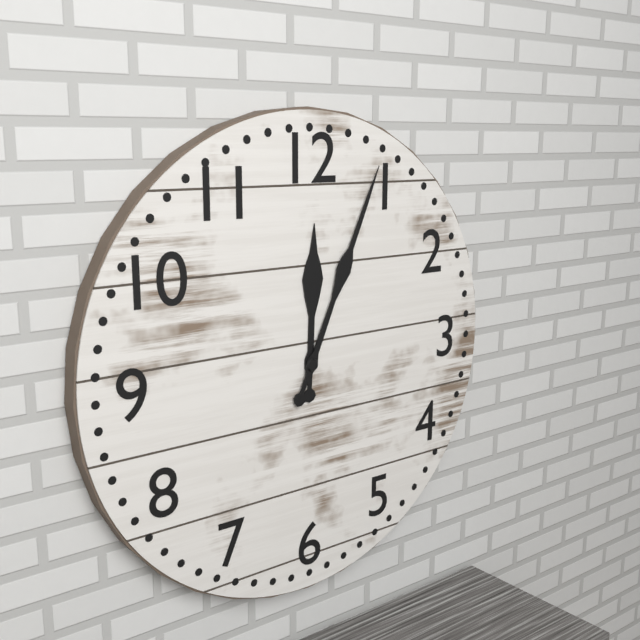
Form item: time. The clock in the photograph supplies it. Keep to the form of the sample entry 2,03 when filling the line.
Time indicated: 12,04
